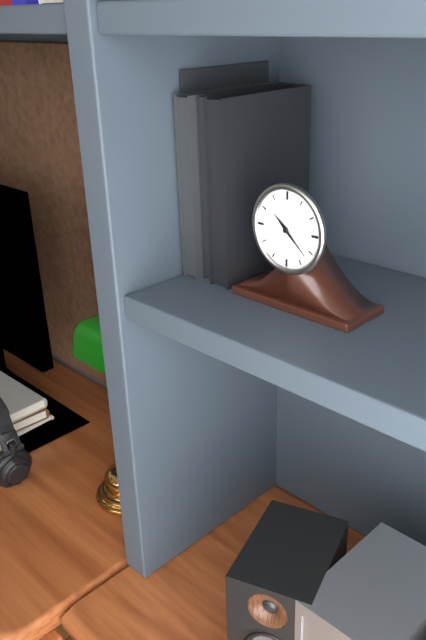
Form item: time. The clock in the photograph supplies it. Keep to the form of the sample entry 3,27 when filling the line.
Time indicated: 10,22
